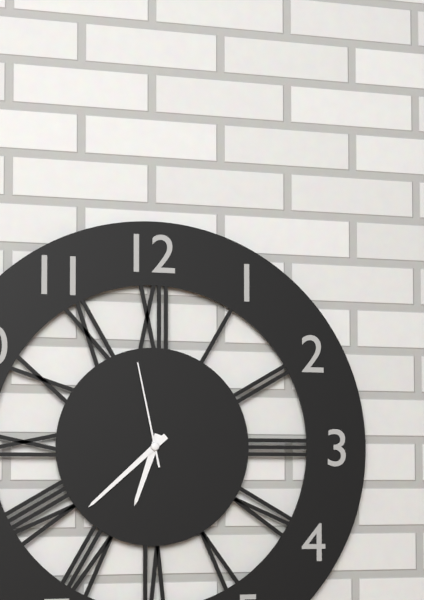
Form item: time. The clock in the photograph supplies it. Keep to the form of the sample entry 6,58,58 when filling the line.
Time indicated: 6,38,58
